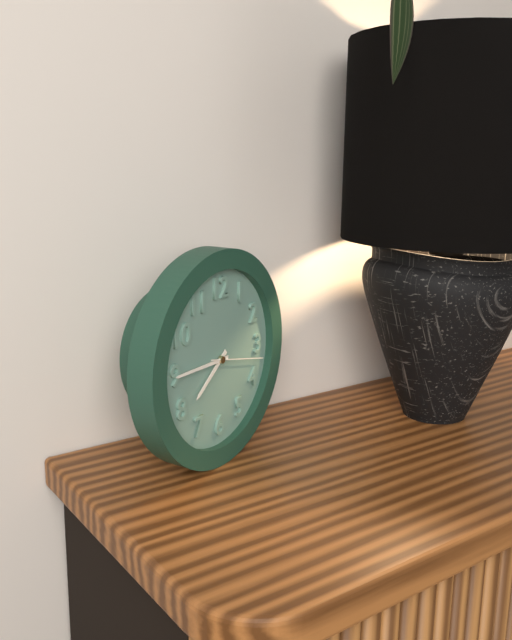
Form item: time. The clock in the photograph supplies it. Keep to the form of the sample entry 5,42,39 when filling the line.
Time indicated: 7,45,17
